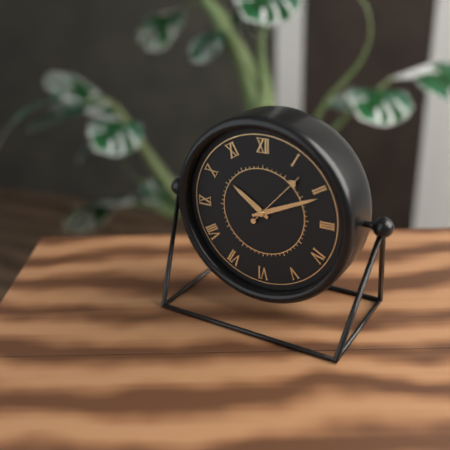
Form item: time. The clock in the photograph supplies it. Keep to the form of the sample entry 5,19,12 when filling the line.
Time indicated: 10,11,07
